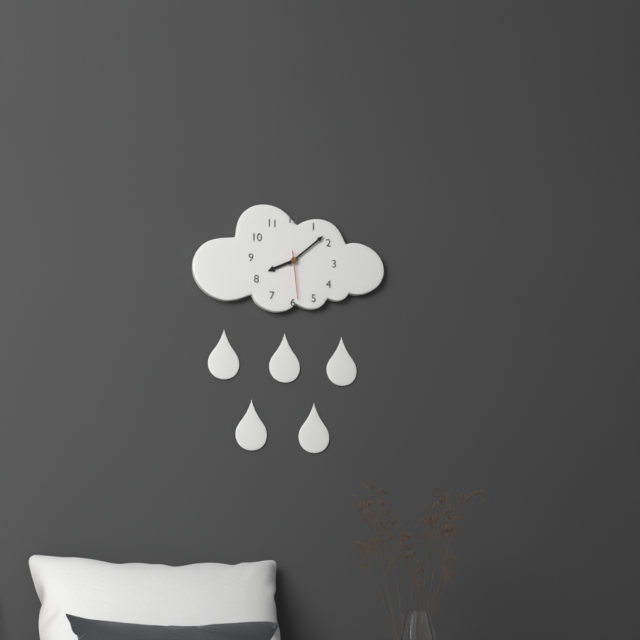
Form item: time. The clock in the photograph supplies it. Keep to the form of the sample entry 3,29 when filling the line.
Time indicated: 8,08
